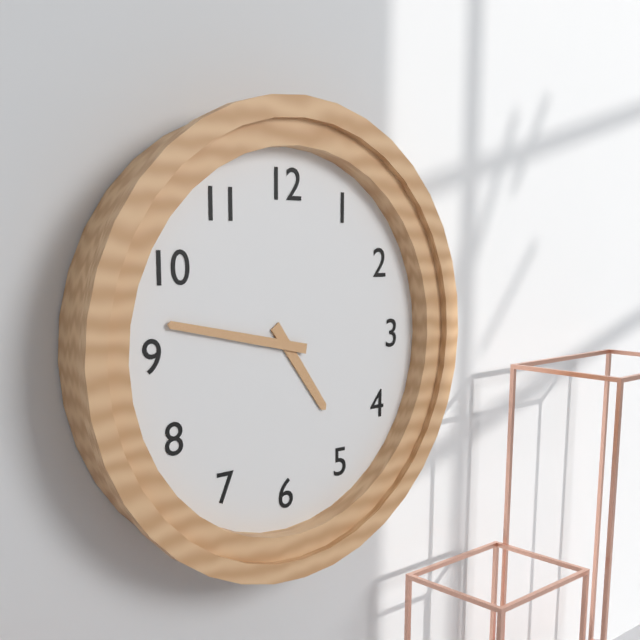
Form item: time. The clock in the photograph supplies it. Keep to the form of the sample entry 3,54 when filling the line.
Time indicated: 4,47
